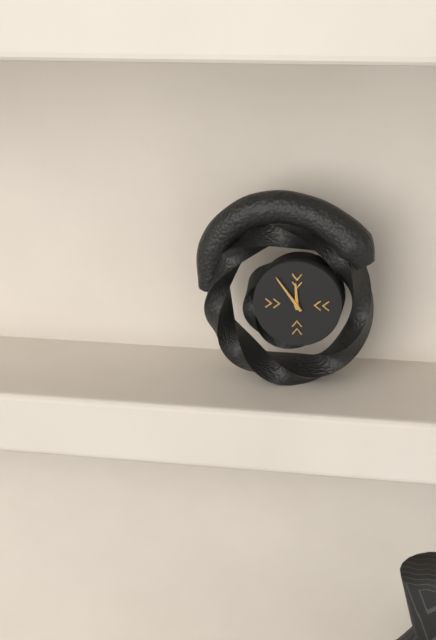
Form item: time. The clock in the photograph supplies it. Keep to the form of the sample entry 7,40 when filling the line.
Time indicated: 11,54
